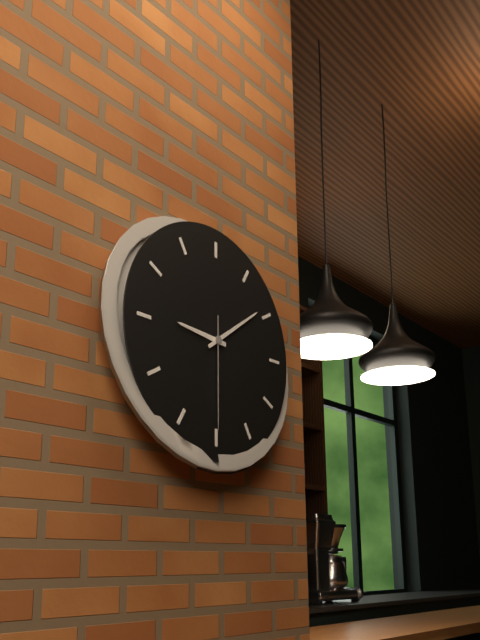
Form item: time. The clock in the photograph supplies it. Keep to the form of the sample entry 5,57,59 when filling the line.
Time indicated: 9,09,30
